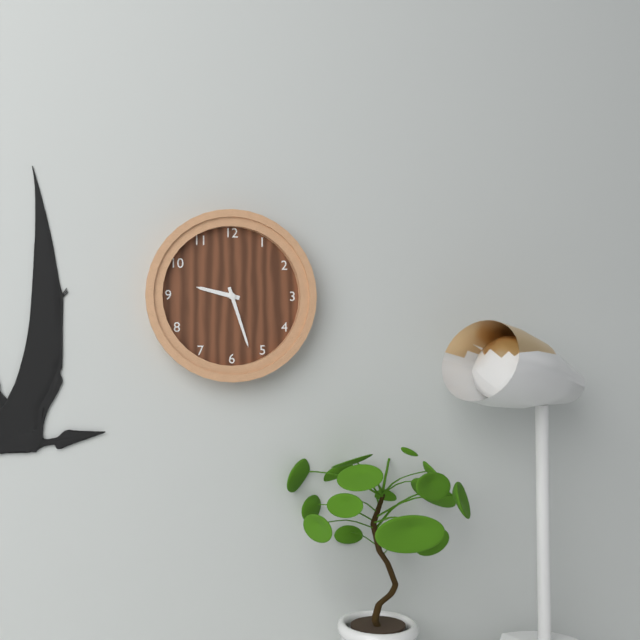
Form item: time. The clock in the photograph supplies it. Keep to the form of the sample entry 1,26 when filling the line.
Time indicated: 9,27
